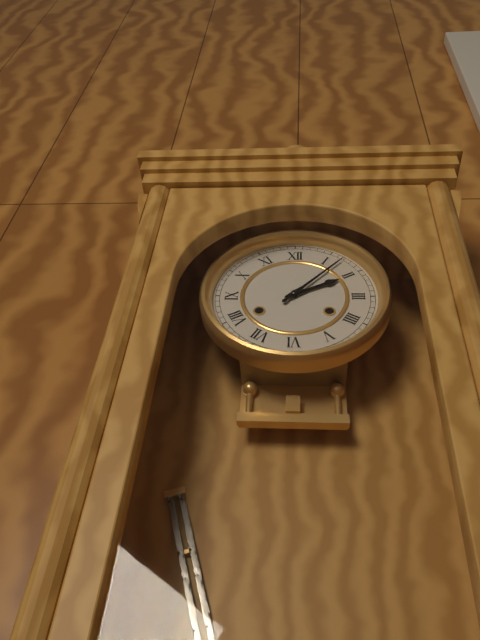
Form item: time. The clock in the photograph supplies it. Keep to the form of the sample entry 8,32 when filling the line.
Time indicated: 2,07
